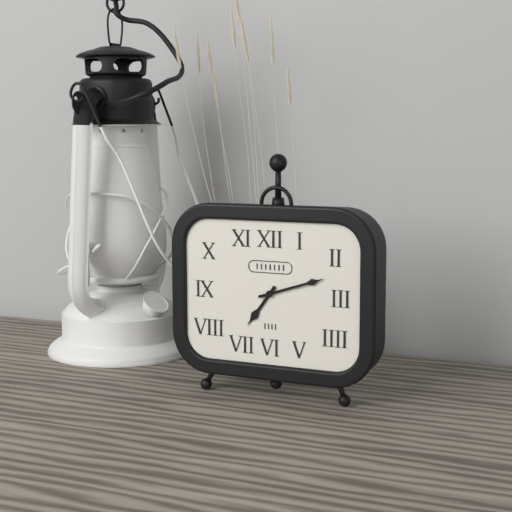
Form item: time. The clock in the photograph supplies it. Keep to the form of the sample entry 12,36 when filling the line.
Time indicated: 7,12
